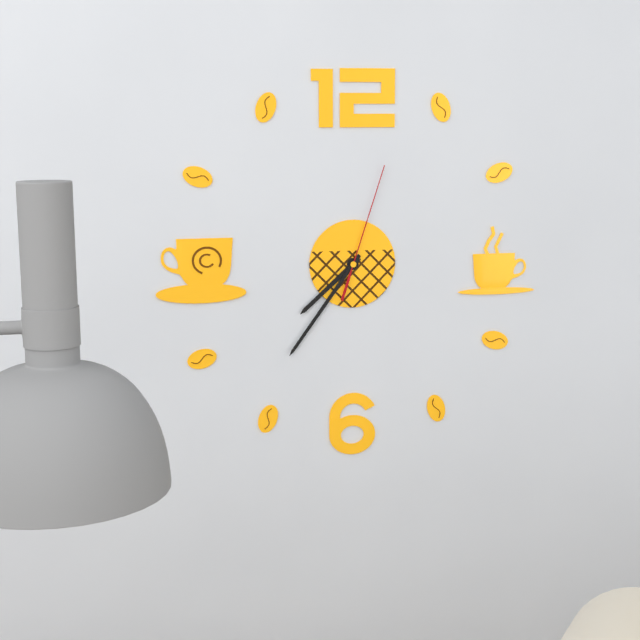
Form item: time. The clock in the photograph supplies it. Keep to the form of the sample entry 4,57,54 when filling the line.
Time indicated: 7,36,03
